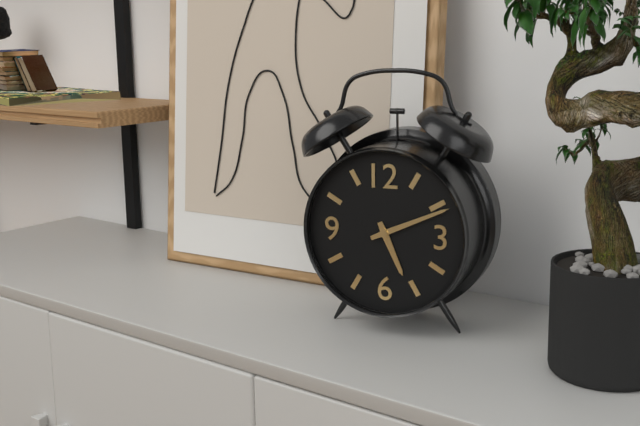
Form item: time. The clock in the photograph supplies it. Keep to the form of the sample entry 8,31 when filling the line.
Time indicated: 5,11
